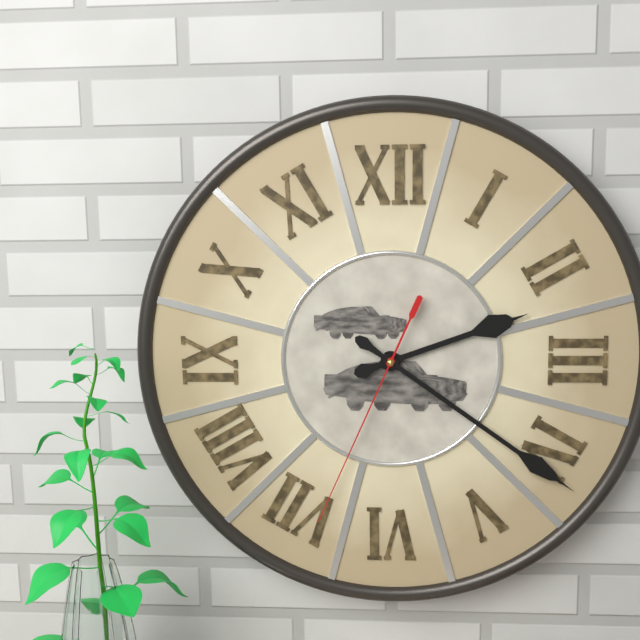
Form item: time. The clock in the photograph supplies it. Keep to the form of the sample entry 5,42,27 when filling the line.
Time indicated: 2,21,34
